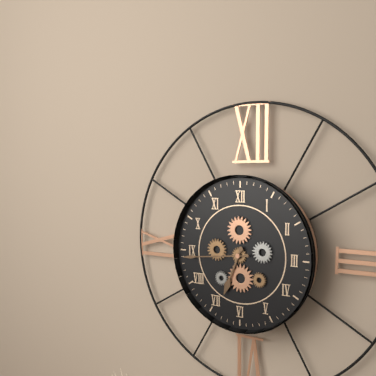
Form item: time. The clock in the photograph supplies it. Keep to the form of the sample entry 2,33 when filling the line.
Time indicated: 6,44
